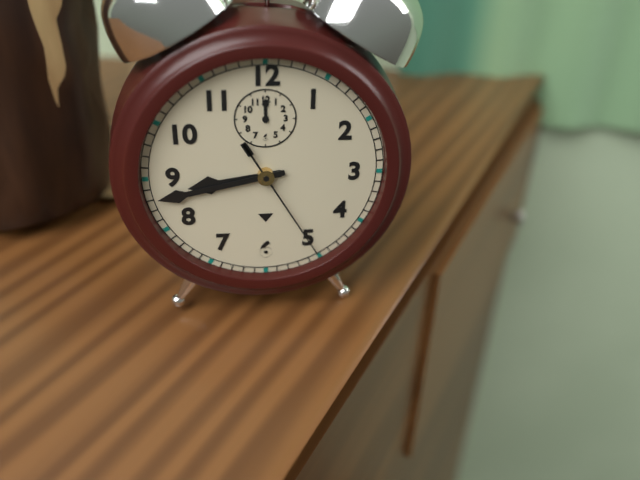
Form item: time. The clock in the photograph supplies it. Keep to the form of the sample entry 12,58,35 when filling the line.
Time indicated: 8,43,25
